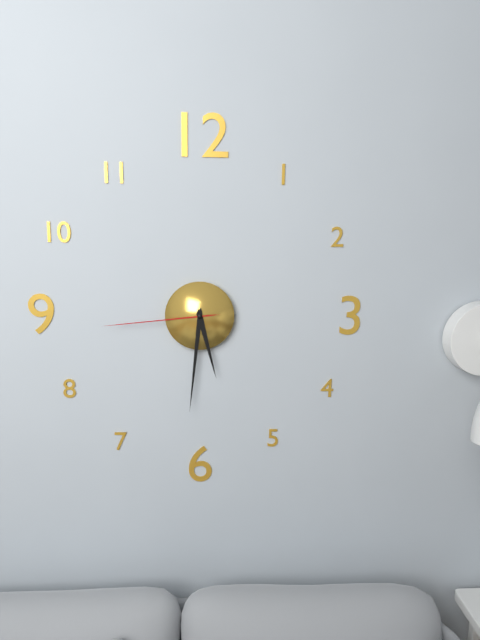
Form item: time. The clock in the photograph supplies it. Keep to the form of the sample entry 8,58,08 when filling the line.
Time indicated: 5,31,44
